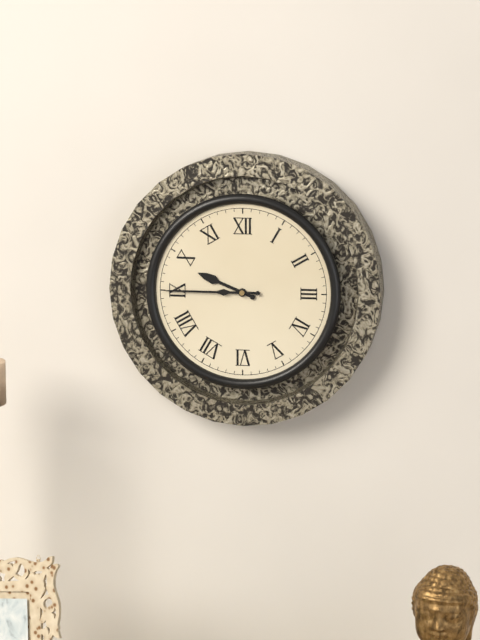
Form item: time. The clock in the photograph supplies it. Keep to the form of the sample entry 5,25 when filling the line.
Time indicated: 9,45
